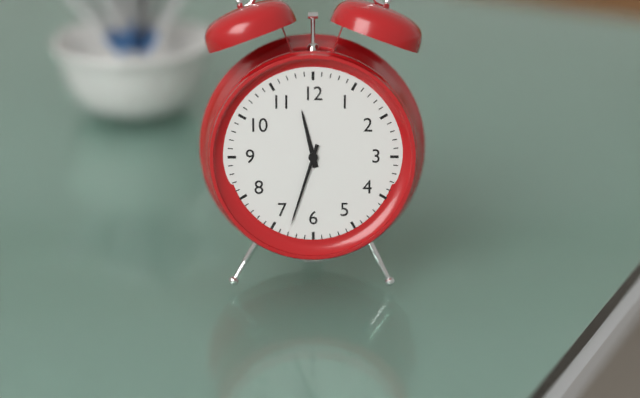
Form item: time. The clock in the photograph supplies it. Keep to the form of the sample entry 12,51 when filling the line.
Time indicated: 11,33
